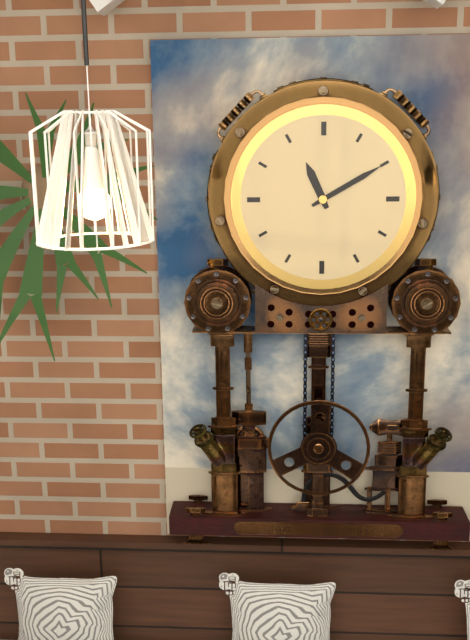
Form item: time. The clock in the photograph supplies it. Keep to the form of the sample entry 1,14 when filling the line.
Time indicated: 11,10
